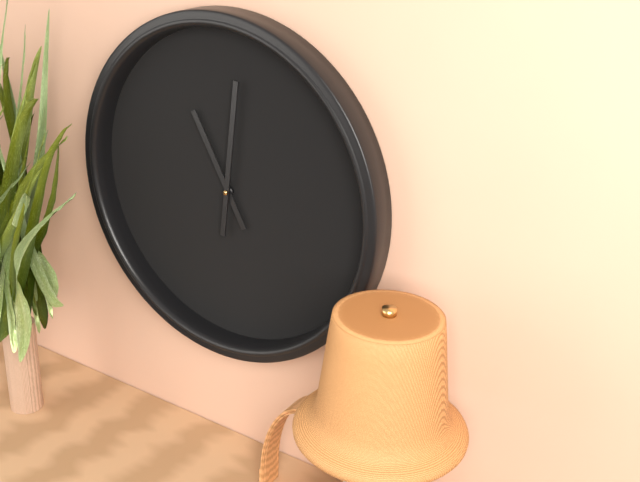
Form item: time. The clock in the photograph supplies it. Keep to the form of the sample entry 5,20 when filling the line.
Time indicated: 11,01
